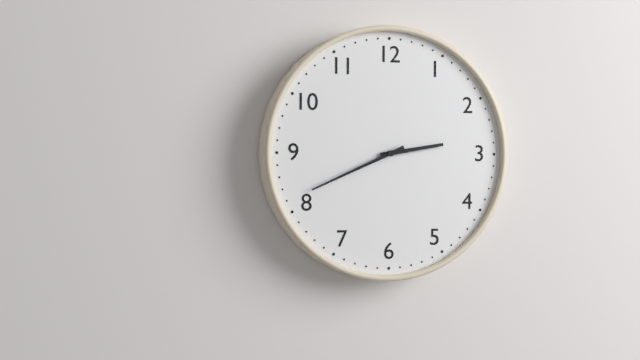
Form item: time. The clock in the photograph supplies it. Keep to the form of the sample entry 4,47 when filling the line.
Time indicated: 2,41
